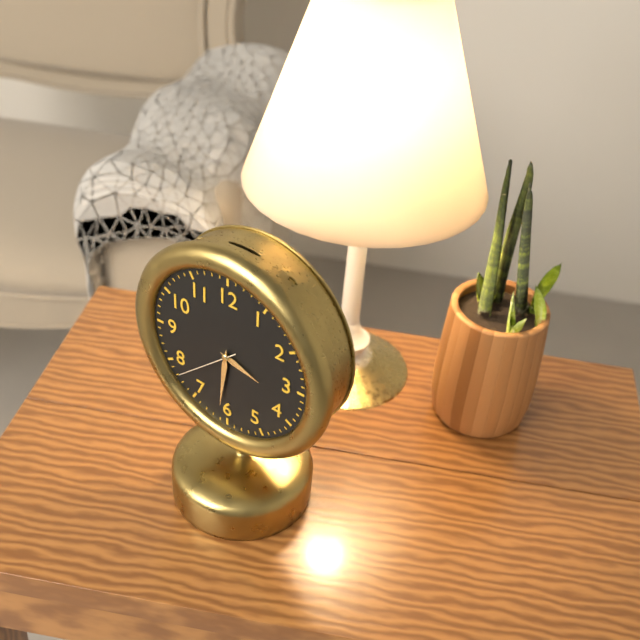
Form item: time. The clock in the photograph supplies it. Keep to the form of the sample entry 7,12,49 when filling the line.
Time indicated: 3,31,38
